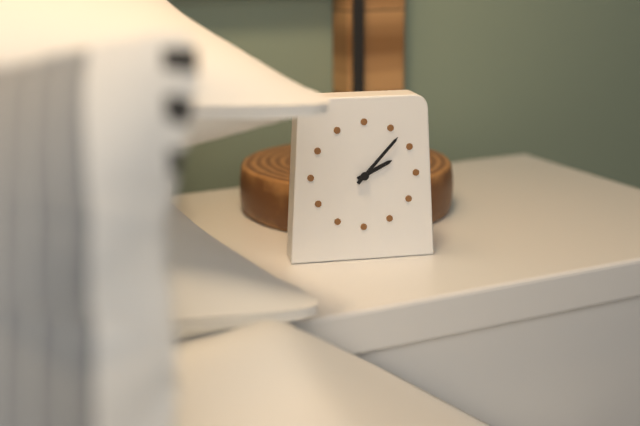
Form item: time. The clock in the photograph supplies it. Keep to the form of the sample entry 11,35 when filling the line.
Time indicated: 2,07
